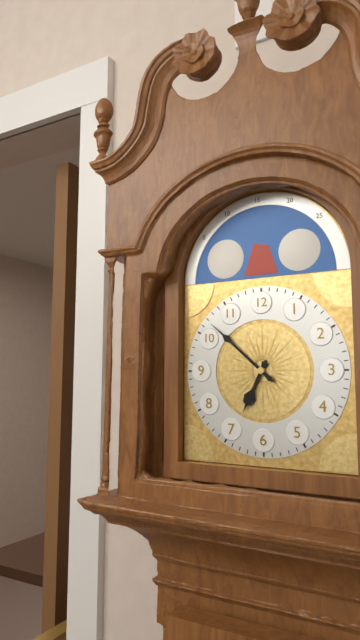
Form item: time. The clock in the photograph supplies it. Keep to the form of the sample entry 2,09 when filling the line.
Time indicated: 6,52
